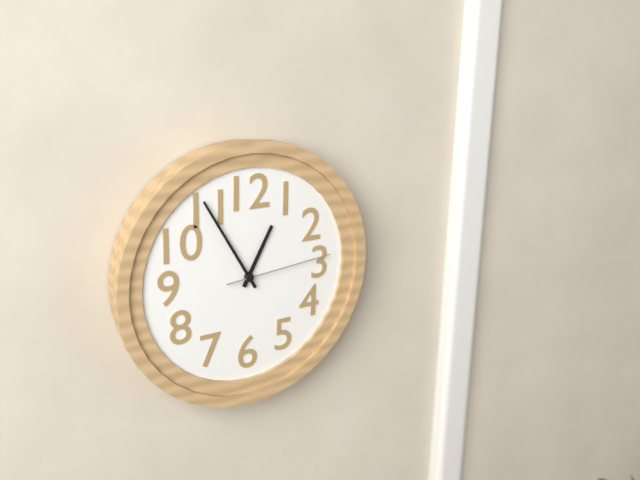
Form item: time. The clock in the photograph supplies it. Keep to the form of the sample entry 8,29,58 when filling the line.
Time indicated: 12,55,14
